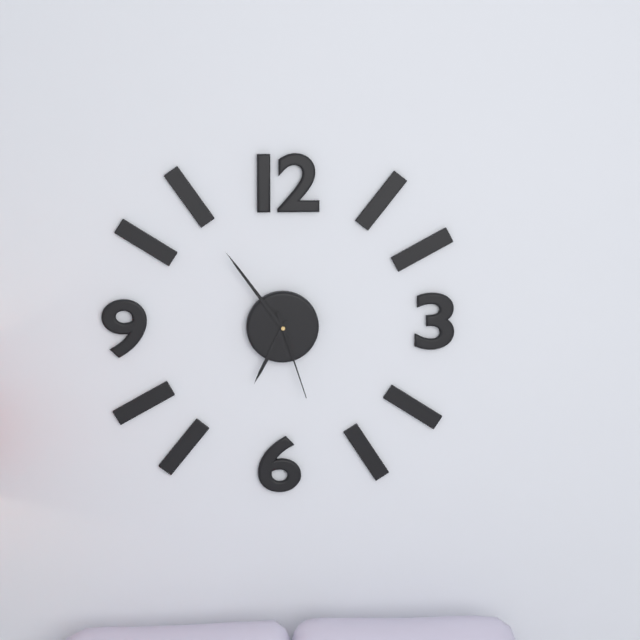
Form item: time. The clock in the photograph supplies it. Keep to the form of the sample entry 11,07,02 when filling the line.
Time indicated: 6,54,27
